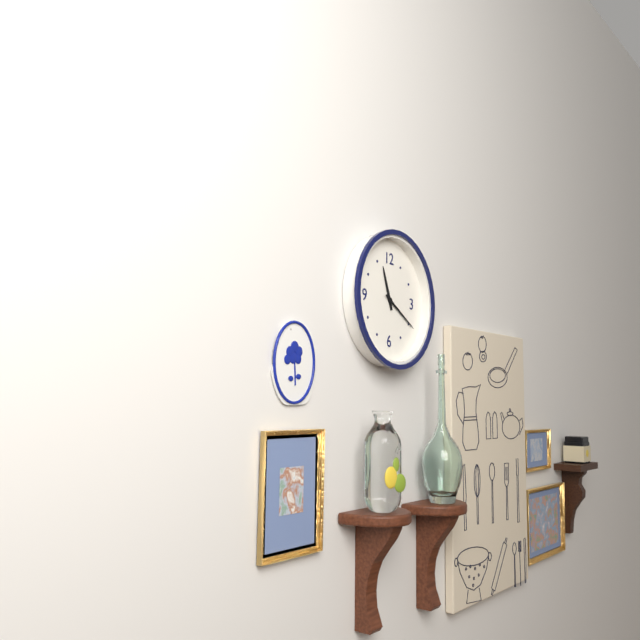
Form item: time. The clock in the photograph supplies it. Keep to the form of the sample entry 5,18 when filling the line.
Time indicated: 11,20
